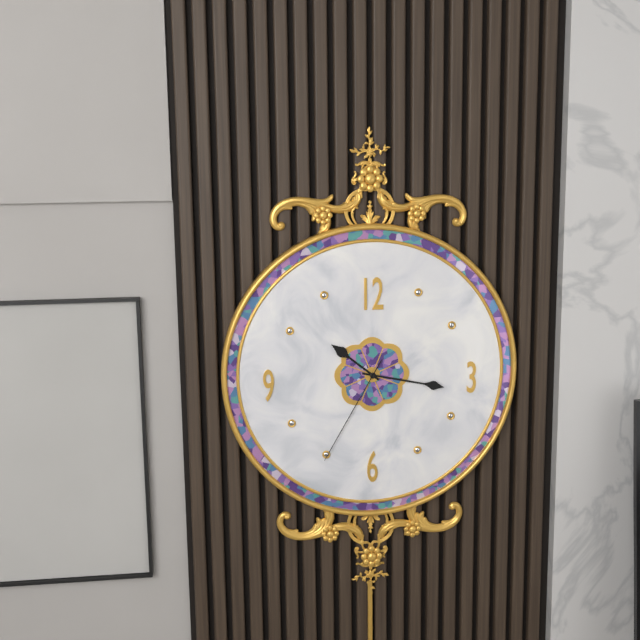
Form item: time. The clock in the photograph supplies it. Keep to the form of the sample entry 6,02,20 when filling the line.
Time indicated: 10,17,35
